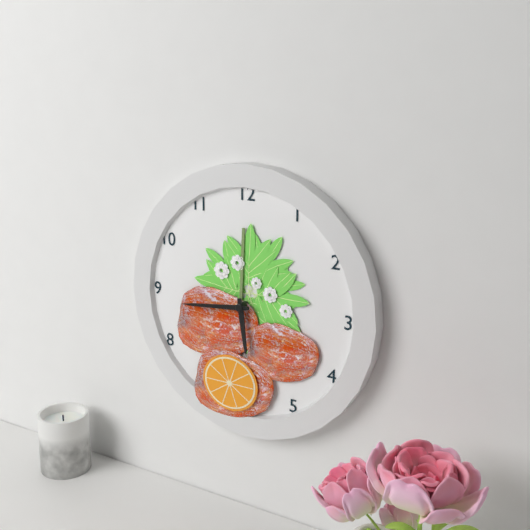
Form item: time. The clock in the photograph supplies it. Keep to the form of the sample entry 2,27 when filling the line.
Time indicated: 5,44
